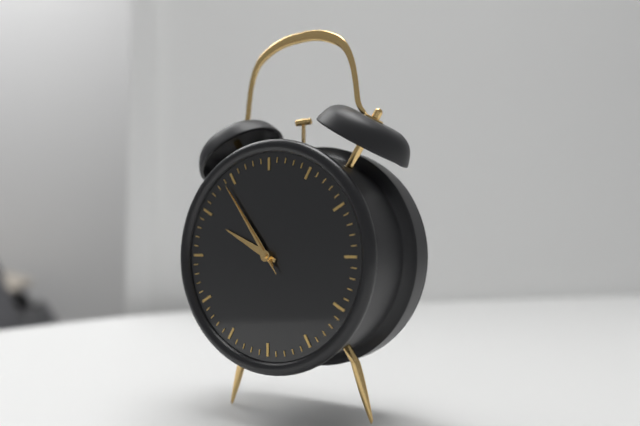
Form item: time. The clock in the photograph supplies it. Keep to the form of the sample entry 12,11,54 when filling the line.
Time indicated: 9,54,54
